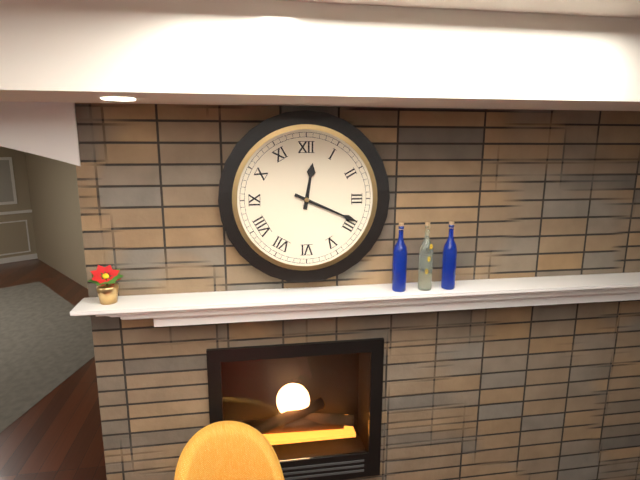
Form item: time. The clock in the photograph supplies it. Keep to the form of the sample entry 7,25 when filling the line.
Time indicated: 12,19
